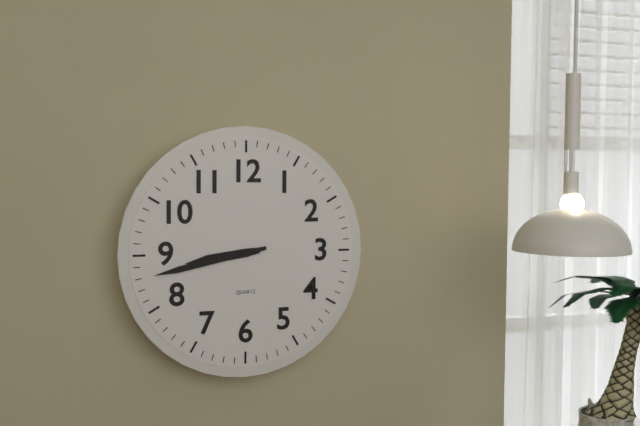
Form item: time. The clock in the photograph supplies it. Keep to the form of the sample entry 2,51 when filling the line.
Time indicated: 8,43
